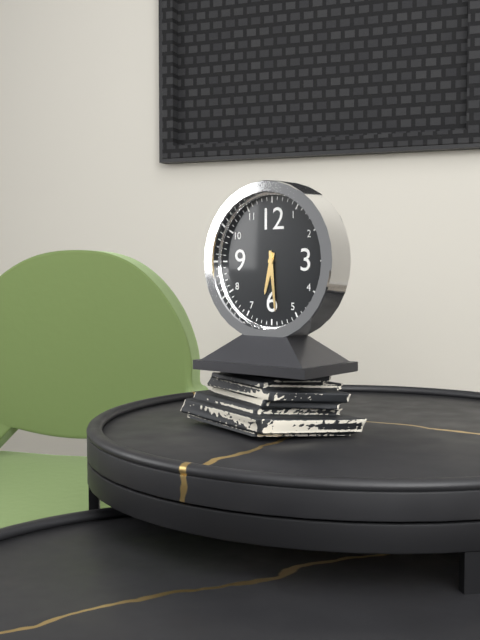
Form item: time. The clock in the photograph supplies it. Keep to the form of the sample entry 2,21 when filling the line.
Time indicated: 6,29
